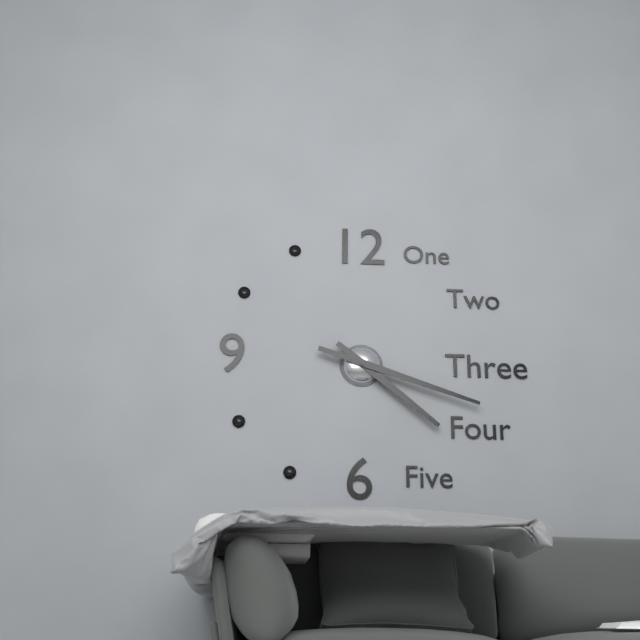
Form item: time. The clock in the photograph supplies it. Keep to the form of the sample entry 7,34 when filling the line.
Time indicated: 4,18
